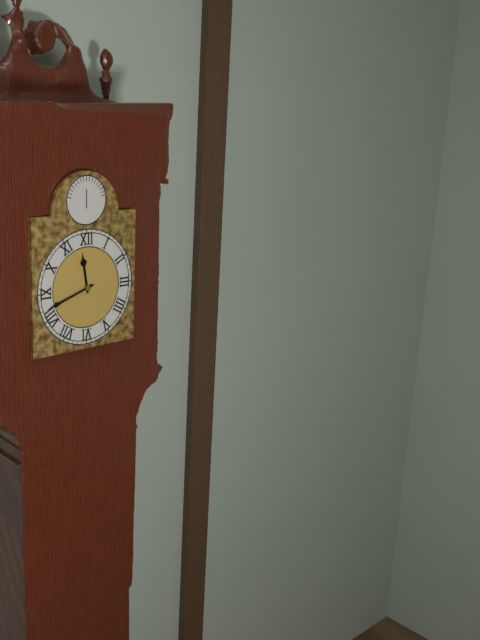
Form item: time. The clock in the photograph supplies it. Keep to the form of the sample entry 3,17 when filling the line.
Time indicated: 11,42
